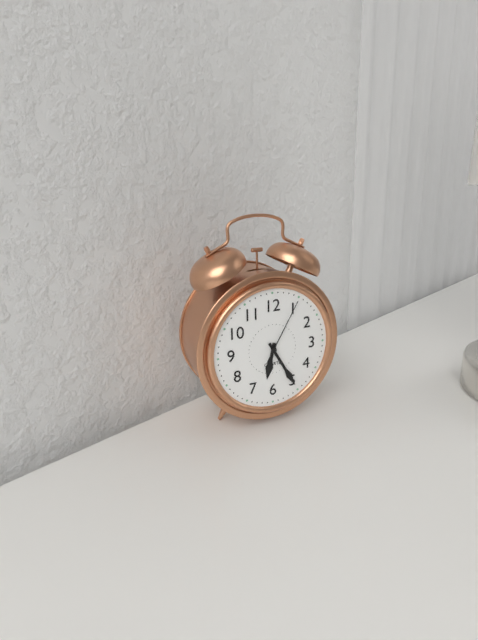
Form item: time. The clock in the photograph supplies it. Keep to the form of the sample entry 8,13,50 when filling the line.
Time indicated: 6,25,05
